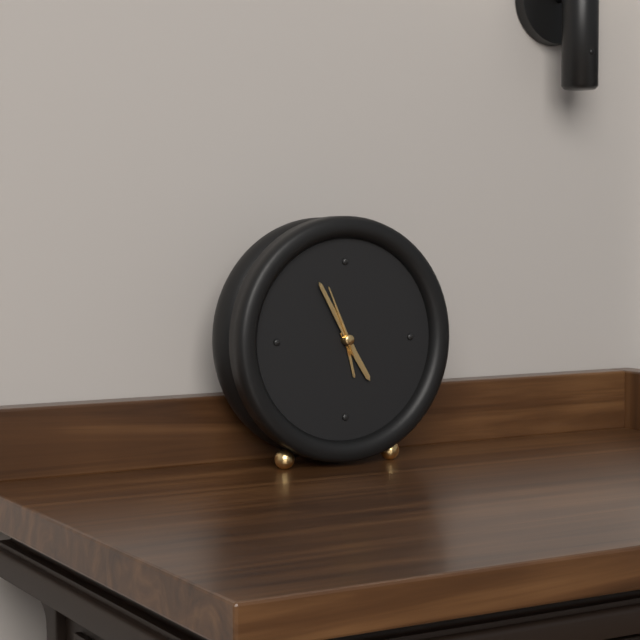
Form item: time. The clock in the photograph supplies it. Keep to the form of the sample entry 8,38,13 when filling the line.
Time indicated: 4,55,56
